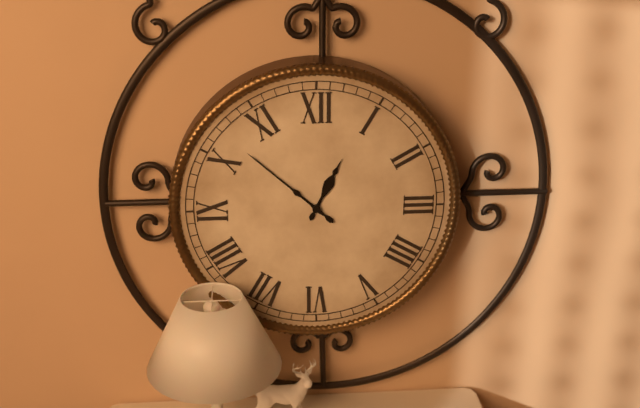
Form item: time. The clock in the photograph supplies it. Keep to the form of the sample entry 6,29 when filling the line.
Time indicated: 12,52
